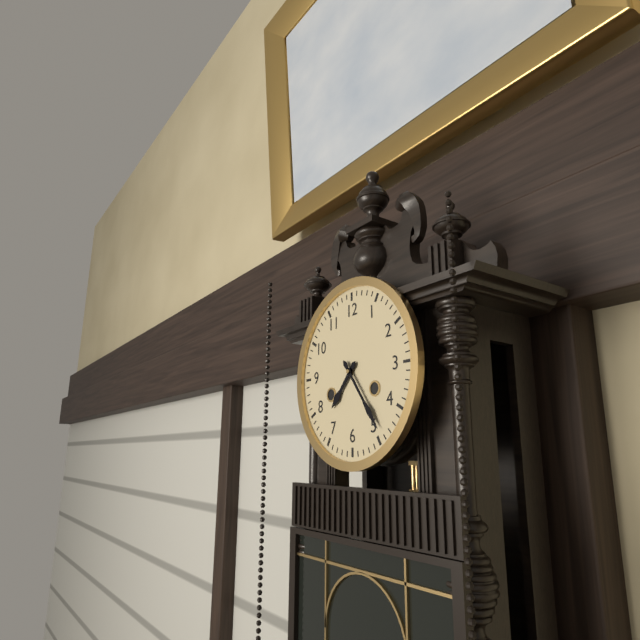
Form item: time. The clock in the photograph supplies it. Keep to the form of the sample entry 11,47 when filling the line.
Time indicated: 7,24
